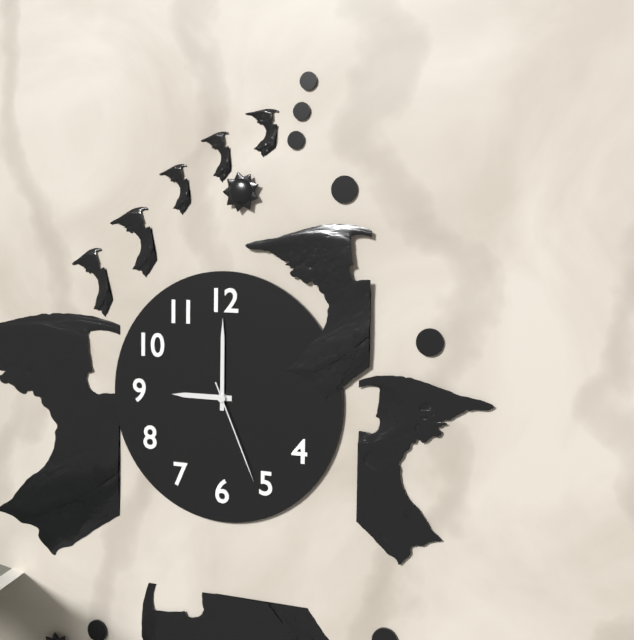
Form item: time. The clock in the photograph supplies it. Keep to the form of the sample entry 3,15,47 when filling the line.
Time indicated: 9,00,26
